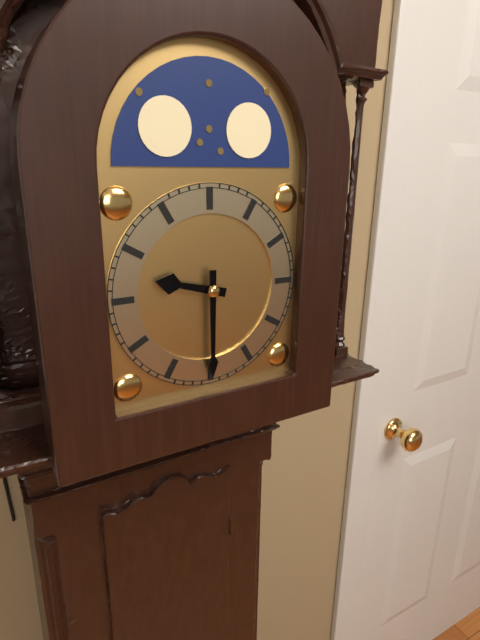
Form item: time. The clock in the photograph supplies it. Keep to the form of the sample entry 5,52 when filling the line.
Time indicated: 9,30
